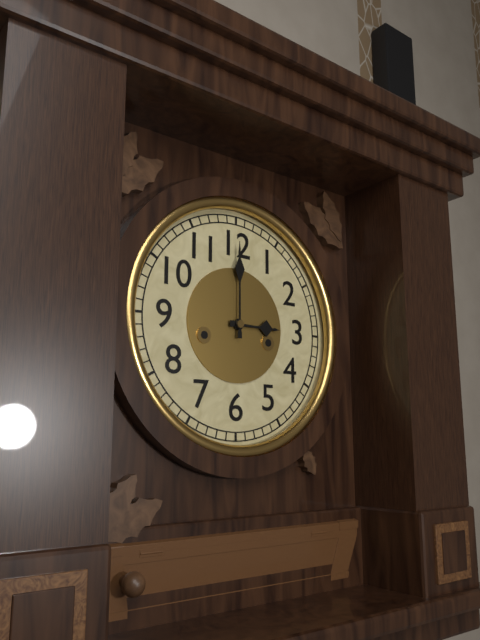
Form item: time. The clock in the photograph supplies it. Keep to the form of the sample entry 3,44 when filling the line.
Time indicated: 3,00
